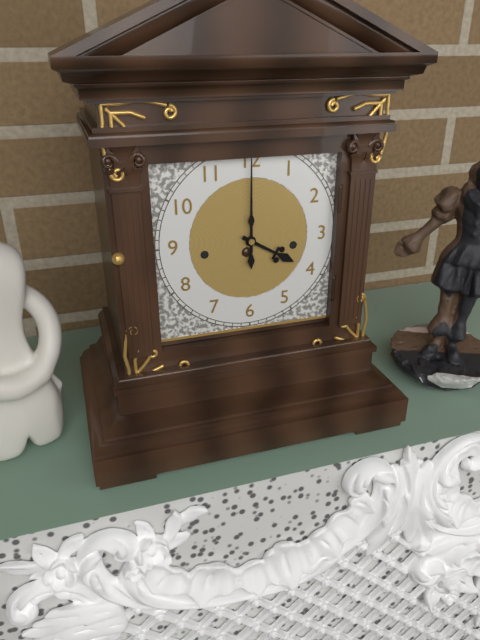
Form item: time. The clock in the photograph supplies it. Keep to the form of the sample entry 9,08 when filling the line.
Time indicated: 4,00
